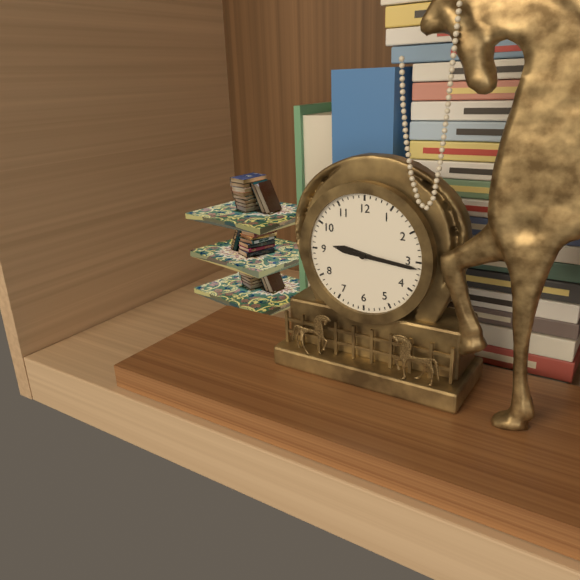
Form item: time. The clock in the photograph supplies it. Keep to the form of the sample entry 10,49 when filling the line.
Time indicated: 9,16
